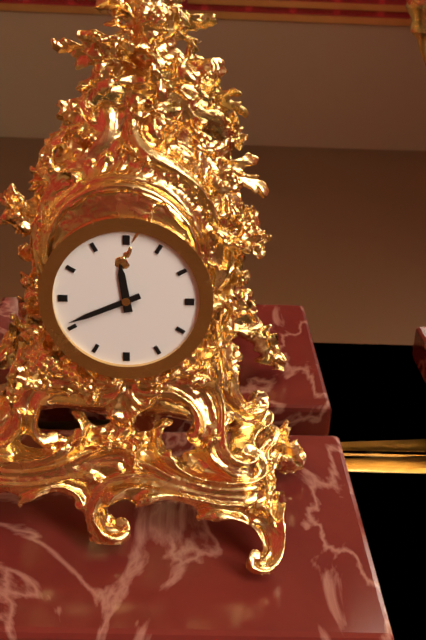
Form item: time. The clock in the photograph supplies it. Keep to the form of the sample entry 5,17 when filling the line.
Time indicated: 11,41
